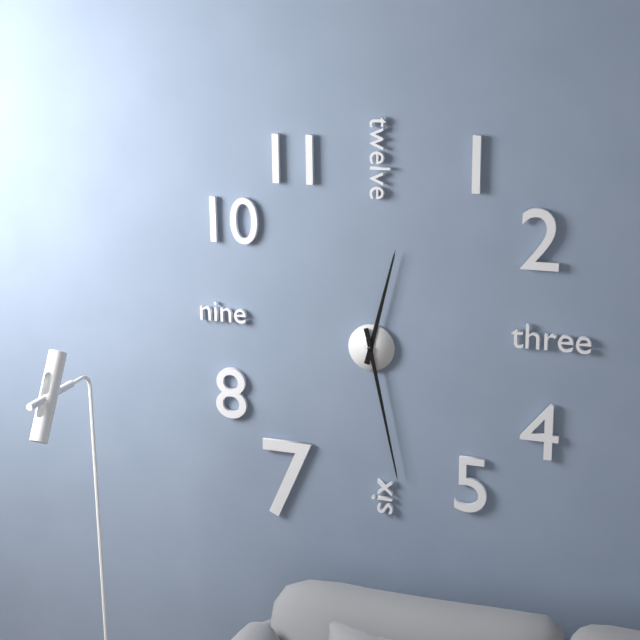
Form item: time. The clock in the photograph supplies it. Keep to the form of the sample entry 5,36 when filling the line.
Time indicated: 12,28
